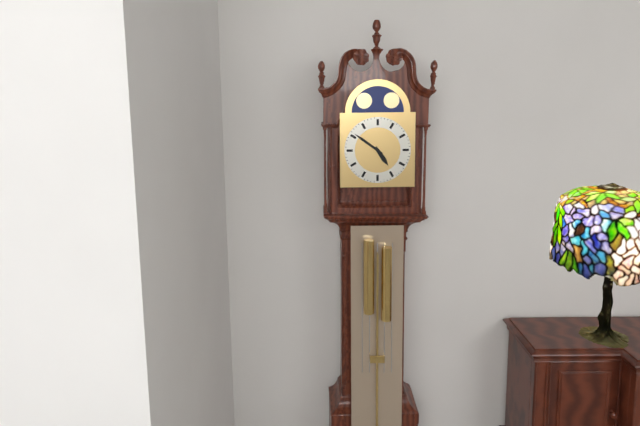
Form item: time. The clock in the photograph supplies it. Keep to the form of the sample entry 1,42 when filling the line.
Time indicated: 4,51
